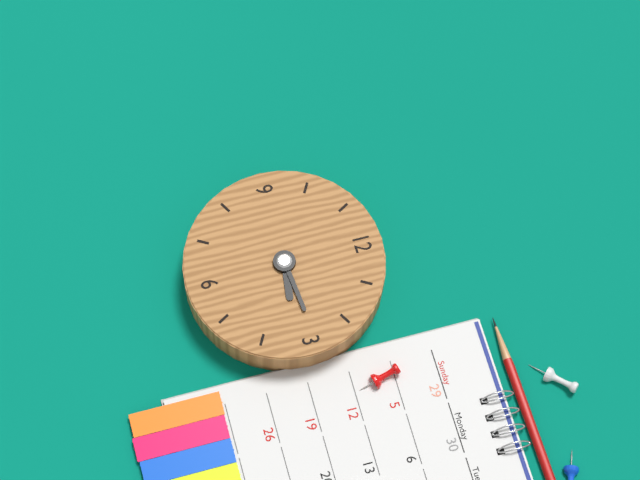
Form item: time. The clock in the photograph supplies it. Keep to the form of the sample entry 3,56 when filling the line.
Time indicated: 3,14
